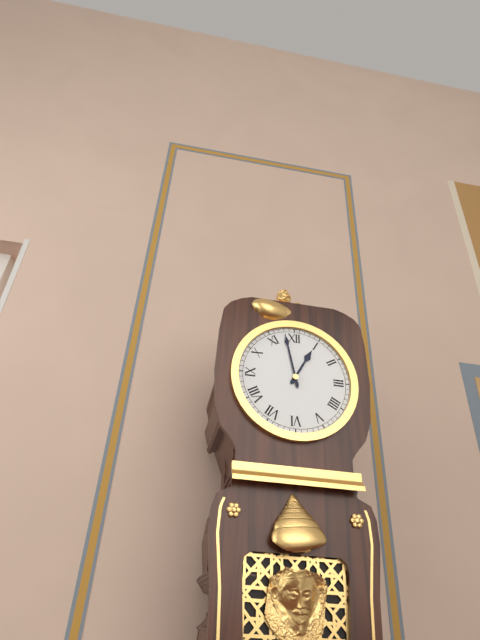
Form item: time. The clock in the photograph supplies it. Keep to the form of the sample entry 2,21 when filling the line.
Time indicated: 12,58
